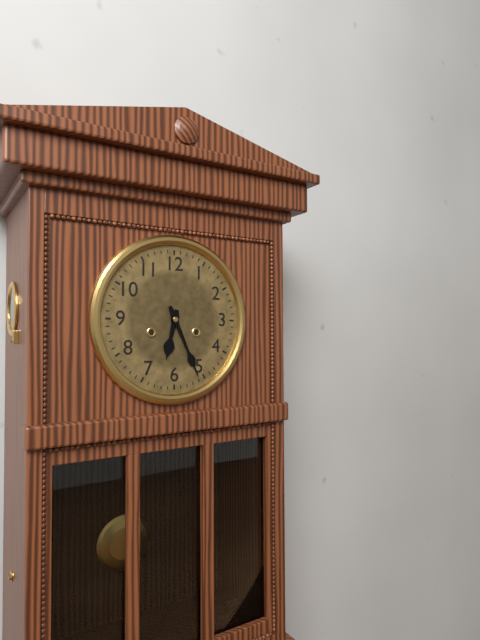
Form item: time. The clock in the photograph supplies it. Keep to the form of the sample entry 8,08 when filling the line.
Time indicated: 6,26
